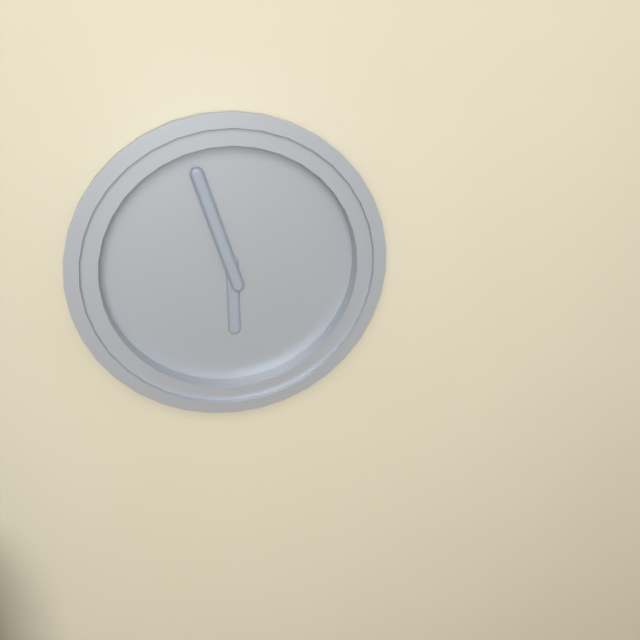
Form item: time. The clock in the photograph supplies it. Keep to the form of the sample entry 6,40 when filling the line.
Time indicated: 5,57
